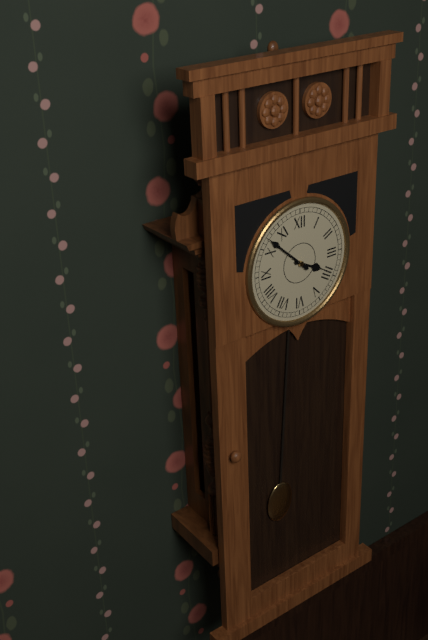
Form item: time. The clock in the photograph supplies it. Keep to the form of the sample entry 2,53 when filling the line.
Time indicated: 3,52
